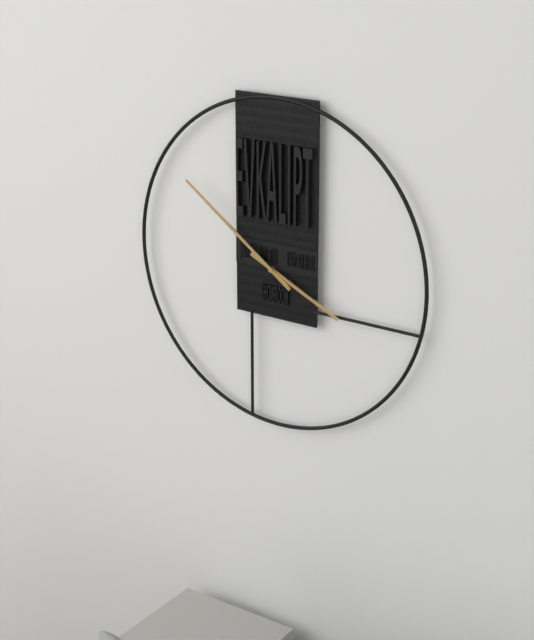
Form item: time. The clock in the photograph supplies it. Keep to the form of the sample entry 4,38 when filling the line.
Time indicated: 3,51
